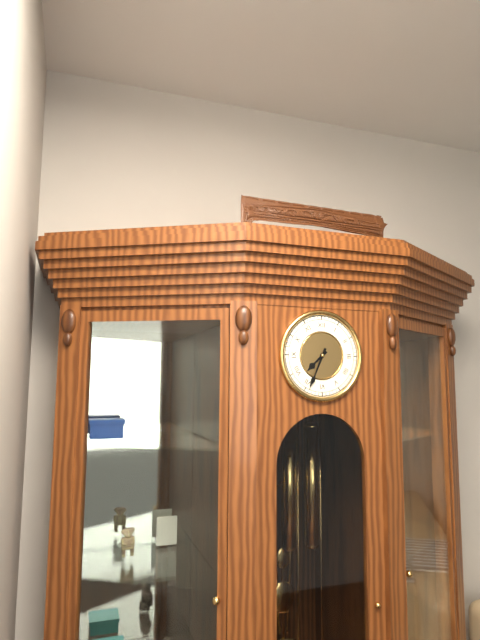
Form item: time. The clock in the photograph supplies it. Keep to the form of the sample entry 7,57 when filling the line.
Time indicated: 7,34
